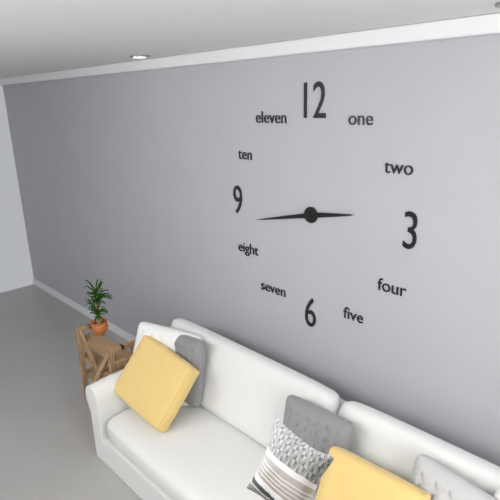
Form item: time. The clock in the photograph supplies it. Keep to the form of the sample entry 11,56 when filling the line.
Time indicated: 2,43
